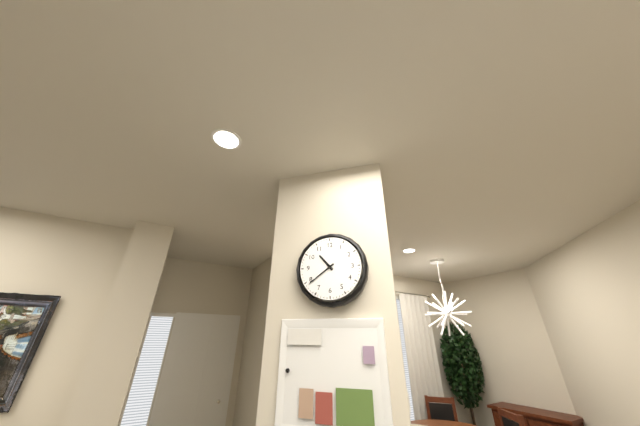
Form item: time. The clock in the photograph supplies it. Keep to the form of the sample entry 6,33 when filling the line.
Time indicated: 10,39
